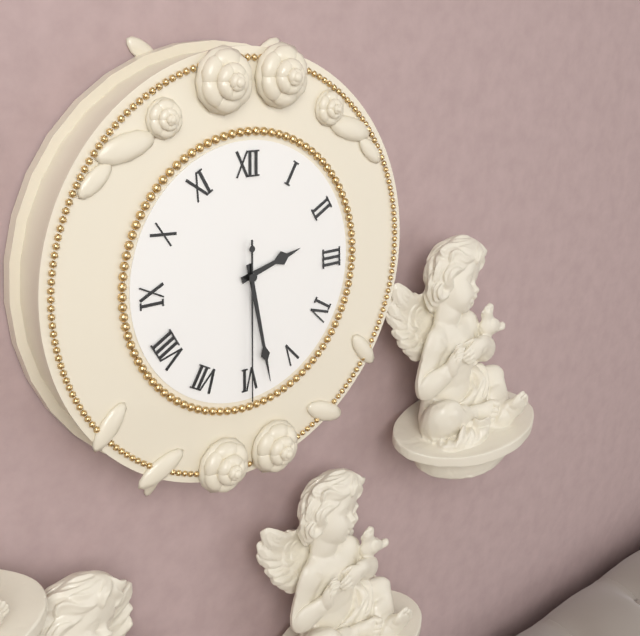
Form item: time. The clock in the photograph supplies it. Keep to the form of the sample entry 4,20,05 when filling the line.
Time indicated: 2,28,30
